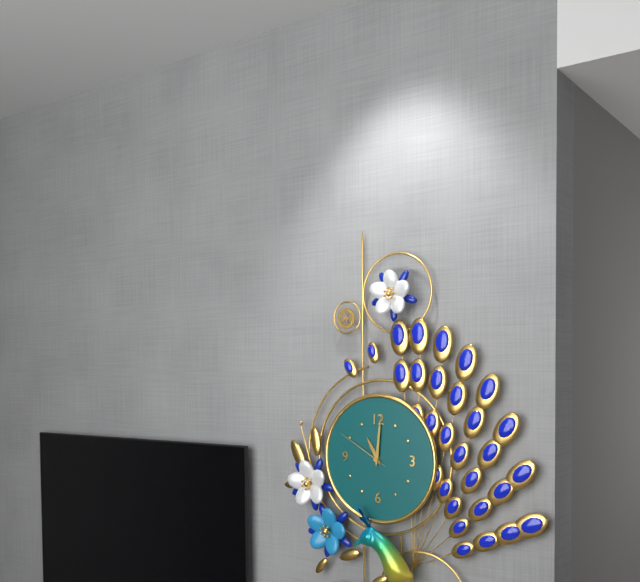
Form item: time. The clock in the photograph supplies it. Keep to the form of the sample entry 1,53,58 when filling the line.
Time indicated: 11,01,50
